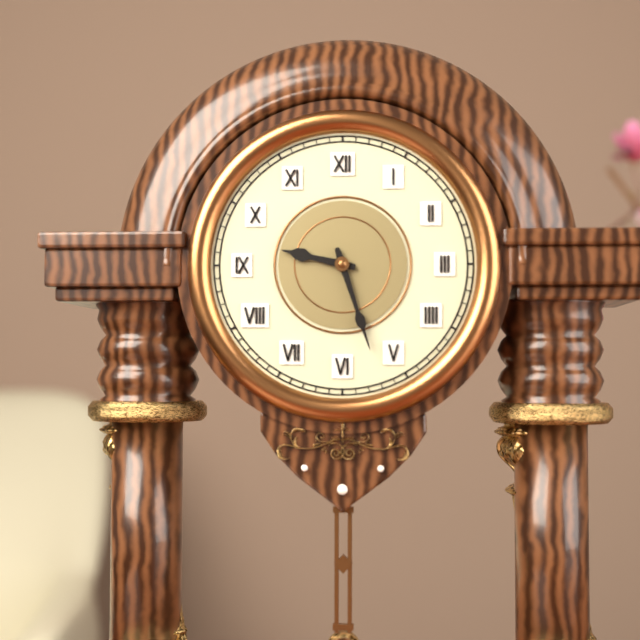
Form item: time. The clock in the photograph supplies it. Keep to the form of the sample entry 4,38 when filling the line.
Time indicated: 9,27
